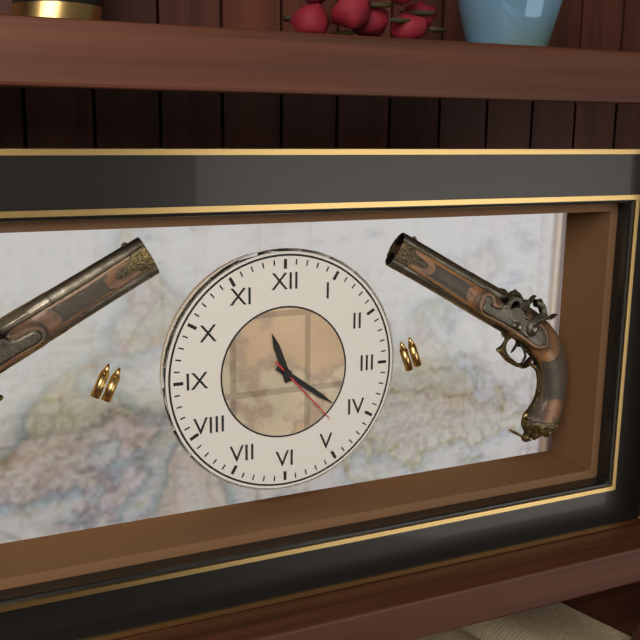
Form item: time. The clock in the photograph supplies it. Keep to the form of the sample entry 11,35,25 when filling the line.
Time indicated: 11,21,23
